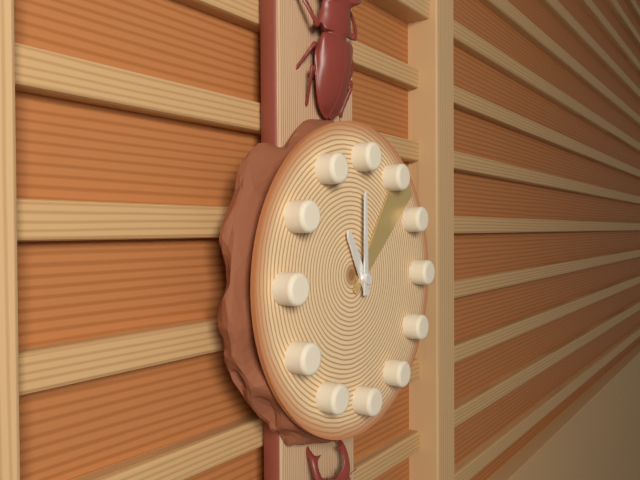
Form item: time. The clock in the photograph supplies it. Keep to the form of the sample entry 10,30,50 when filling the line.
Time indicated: 11,00,07
